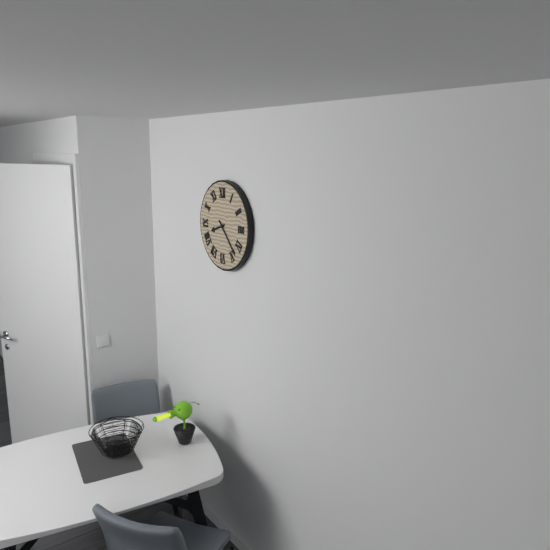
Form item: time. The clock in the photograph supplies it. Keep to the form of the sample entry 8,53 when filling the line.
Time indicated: 8,23
